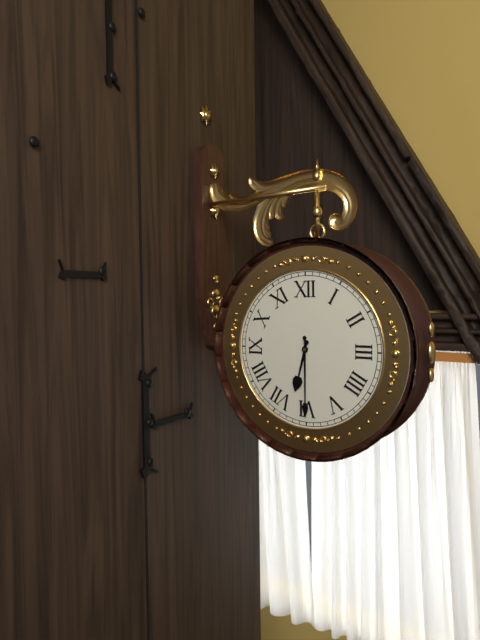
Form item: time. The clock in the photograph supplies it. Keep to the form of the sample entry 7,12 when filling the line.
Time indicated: 6,30
